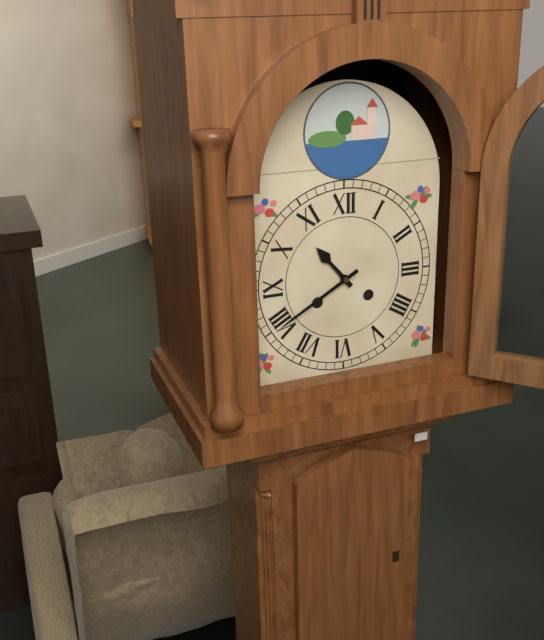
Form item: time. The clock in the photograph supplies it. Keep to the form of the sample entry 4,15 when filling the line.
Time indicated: 10,40
